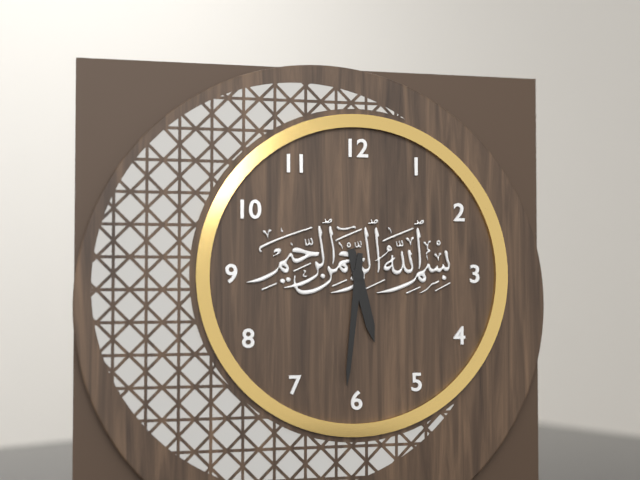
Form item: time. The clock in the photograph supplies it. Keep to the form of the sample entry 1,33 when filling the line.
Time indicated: 5,31
